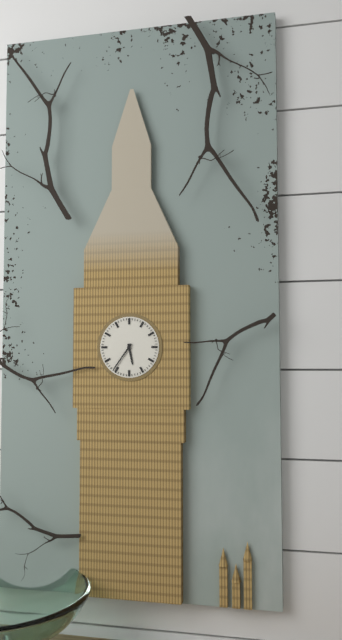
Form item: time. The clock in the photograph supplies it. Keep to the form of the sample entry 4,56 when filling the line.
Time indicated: 5,36
